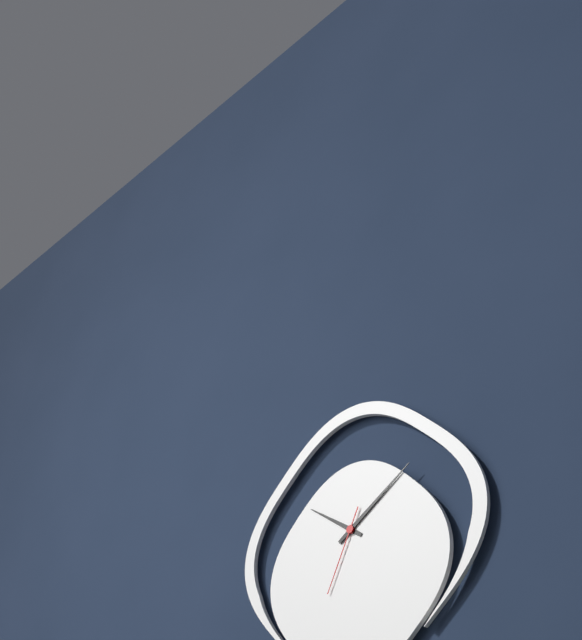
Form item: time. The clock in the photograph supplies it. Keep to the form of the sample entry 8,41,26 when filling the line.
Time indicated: 10,09,34
